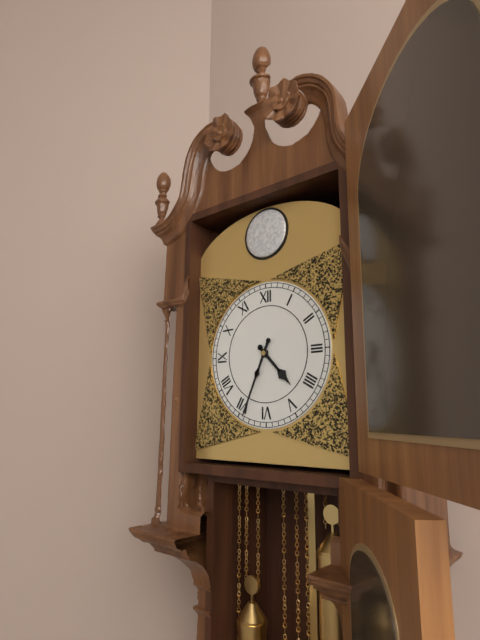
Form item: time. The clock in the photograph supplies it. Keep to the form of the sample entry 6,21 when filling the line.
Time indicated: 4,34
